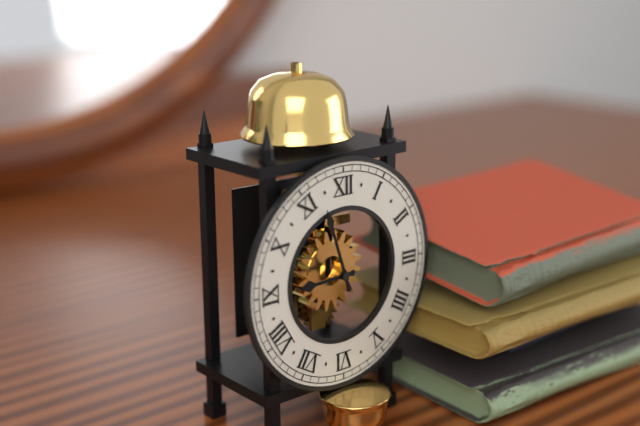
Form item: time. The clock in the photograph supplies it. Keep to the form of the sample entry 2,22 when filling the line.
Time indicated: 8,57
